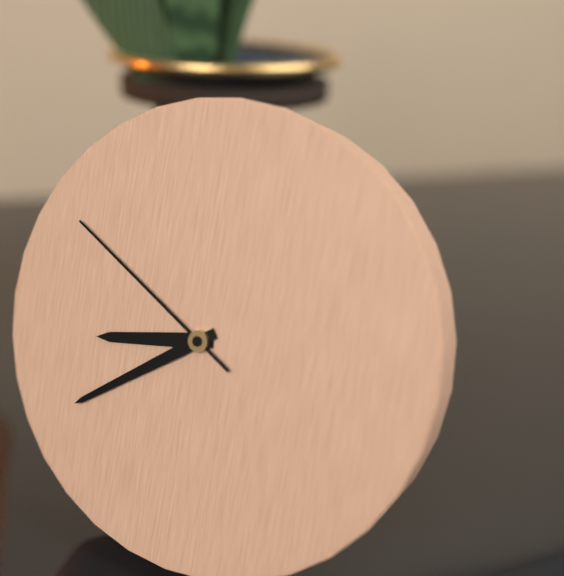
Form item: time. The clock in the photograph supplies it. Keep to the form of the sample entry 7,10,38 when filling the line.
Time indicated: 8,39,50
